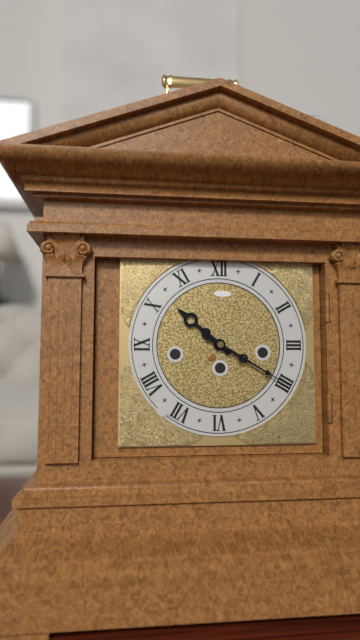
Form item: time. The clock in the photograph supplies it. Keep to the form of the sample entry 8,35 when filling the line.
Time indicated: 10,20
